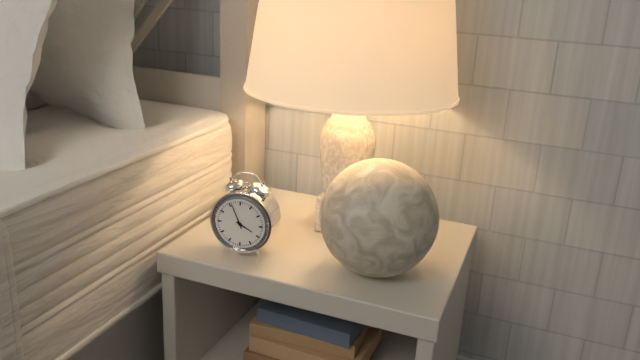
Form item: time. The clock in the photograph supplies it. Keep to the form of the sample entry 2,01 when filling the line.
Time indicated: 3,56
